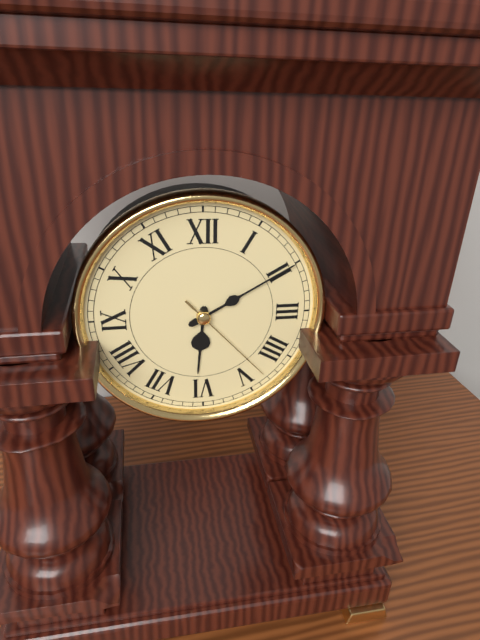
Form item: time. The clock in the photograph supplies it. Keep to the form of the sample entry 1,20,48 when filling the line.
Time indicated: 6,10,23
